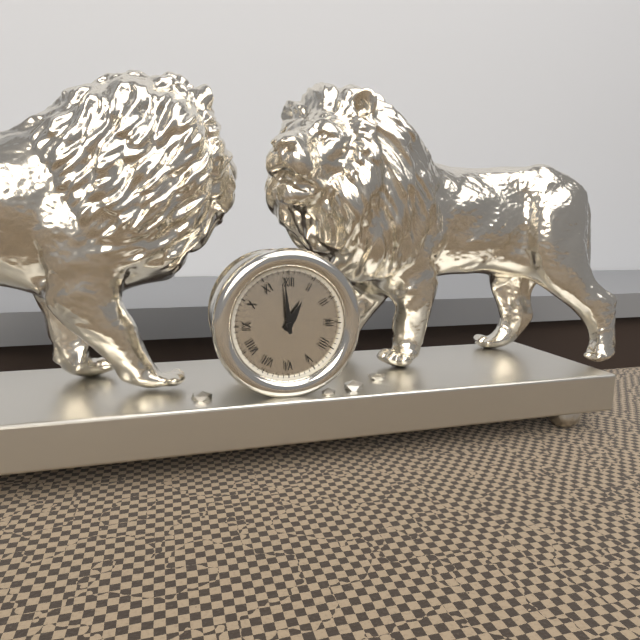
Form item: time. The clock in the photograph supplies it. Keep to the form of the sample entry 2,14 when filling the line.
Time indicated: 12,59
